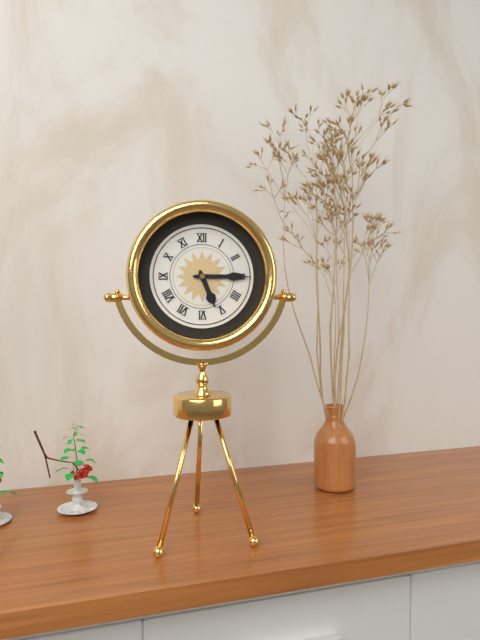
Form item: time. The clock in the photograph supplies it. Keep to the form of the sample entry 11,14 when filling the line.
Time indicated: 5,15
